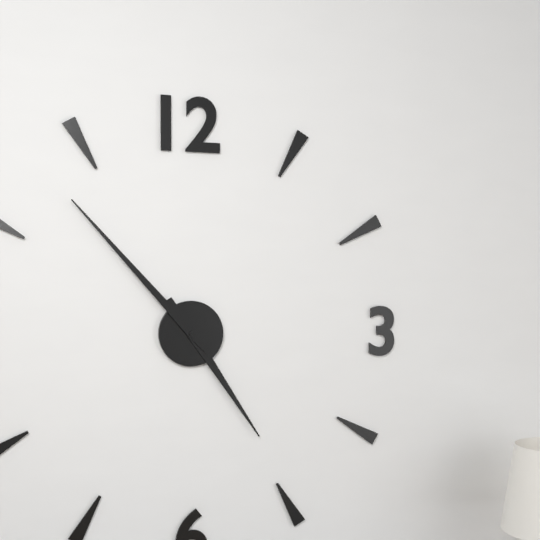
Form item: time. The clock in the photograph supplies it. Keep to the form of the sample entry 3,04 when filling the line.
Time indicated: 4,53
